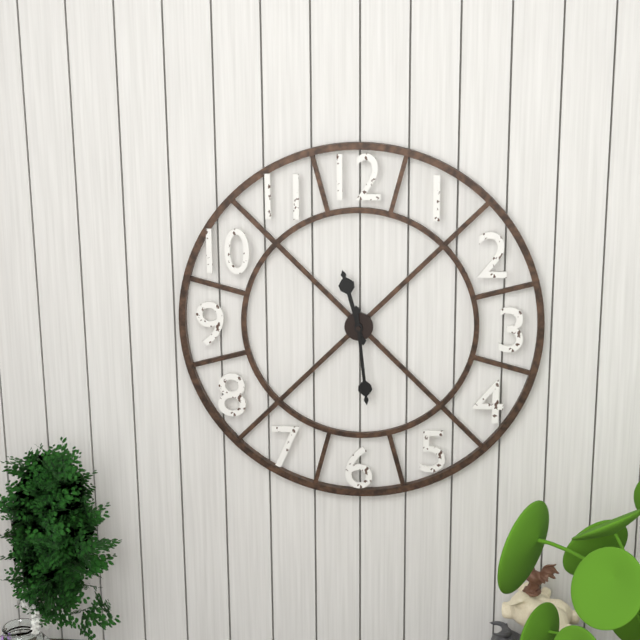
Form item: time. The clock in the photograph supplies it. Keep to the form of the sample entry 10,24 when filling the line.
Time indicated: 11,29
